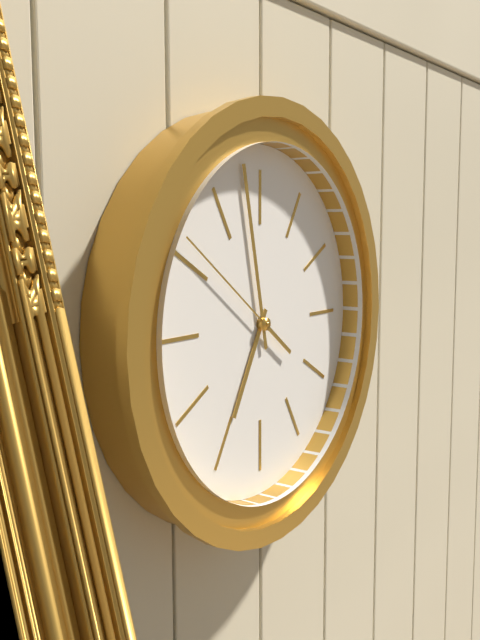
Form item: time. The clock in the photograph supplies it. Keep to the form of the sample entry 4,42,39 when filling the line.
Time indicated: 6,58,51
